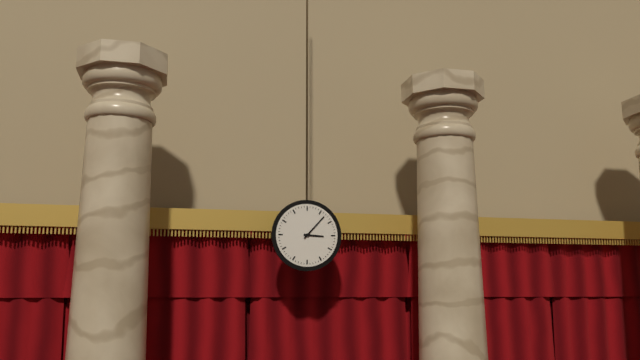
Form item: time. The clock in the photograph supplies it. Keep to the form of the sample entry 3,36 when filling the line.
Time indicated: 3,07
